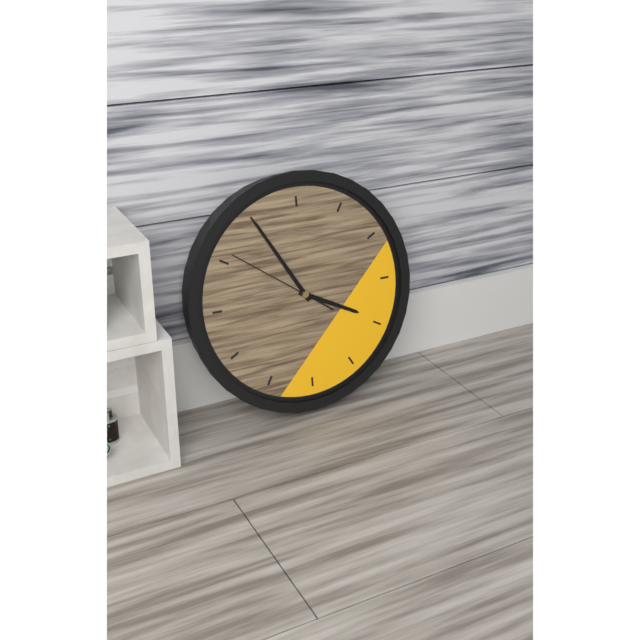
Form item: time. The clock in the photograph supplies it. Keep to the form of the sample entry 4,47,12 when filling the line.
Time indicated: 3,55,51
